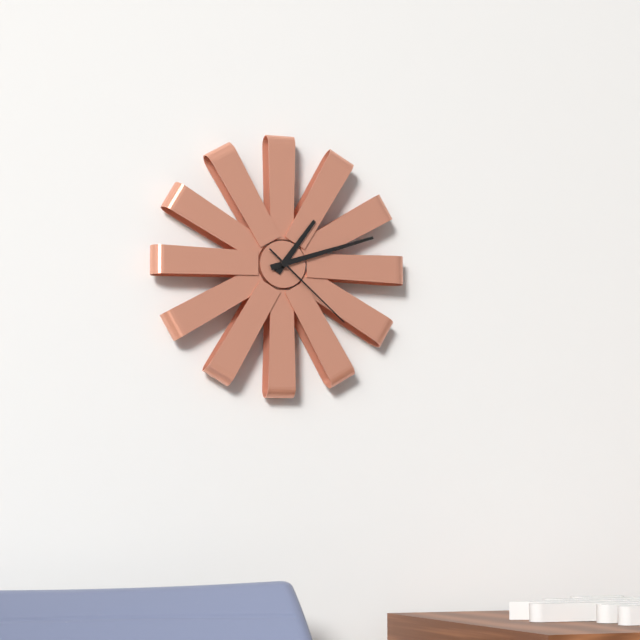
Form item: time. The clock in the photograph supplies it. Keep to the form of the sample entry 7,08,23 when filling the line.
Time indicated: 1,12,22
